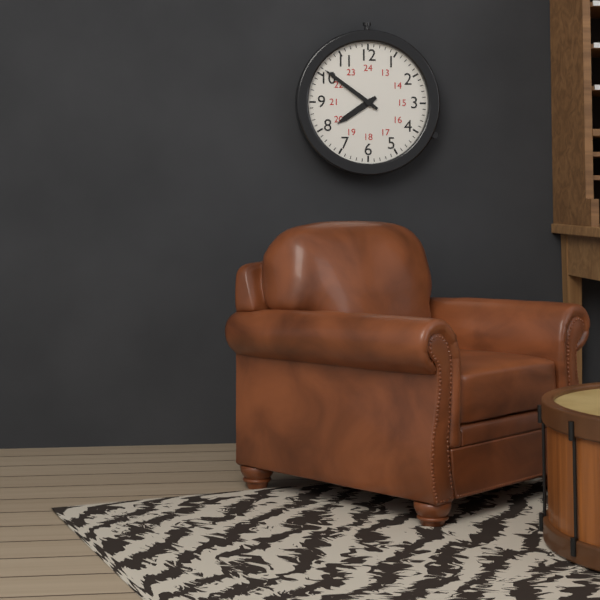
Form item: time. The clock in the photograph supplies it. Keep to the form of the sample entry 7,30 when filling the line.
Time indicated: 7,51
